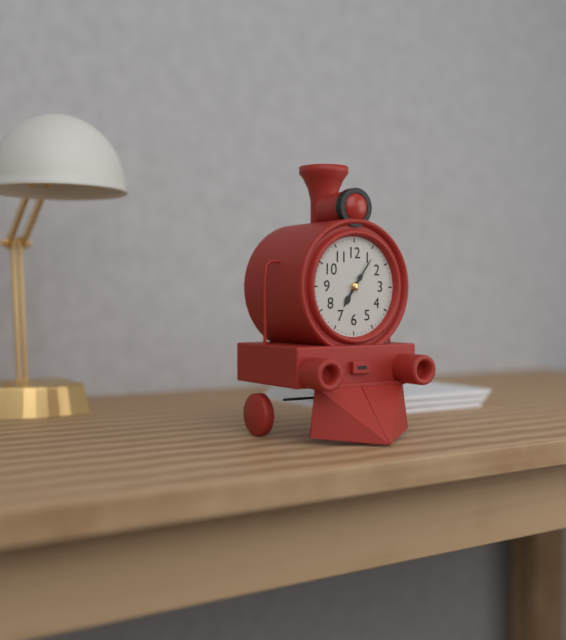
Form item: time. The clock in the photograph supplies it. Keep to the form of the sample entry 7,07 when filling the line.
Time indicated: 7,06
